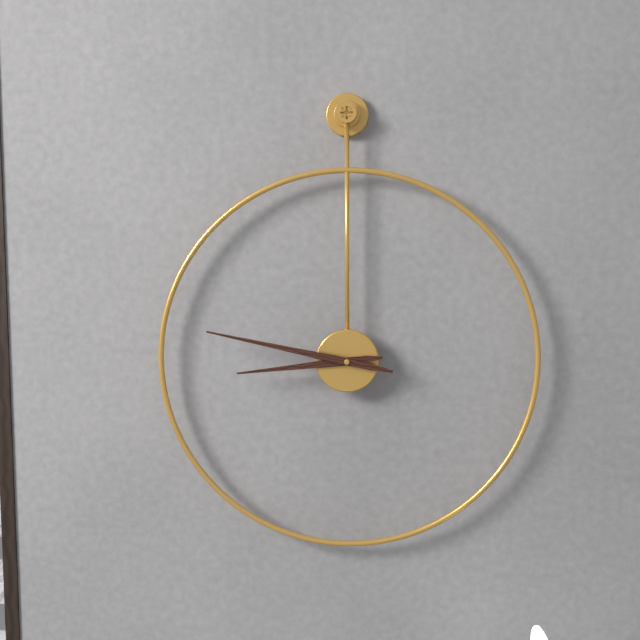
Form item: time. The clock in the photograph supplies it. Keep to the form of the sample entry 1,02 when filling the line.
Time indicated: 8,47
